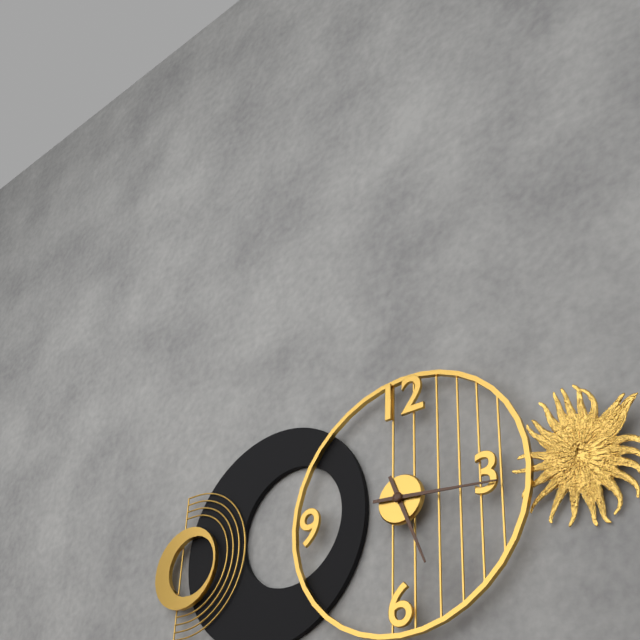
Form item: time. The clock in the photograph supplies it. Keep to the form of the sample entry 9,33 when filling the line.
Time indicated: 5,16
